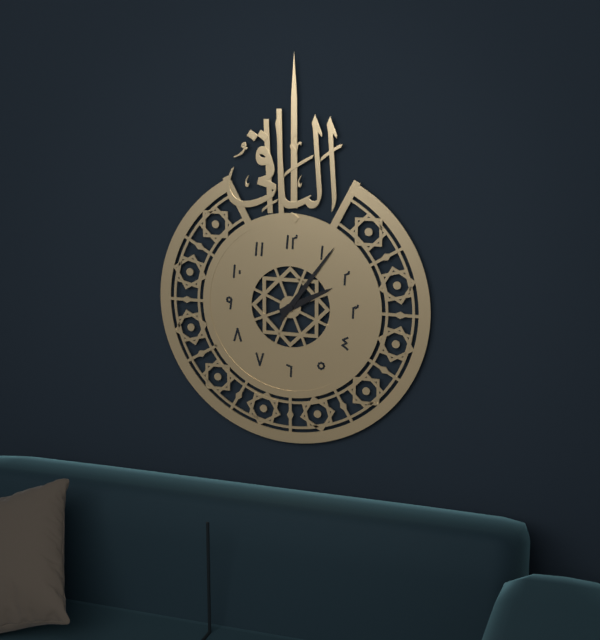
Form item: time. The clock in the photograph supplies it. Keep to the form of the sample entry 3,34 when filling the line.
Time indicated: 2,06
